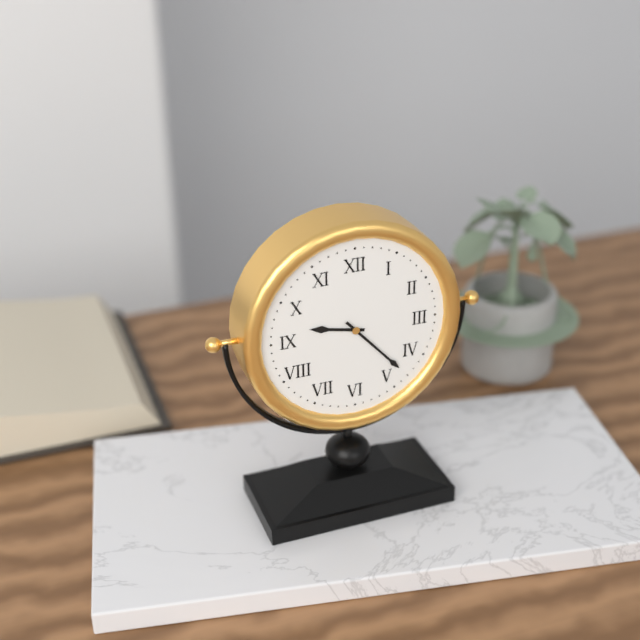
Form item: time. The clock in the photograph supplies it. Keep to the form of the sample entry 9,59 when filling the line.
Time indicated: 9,23
